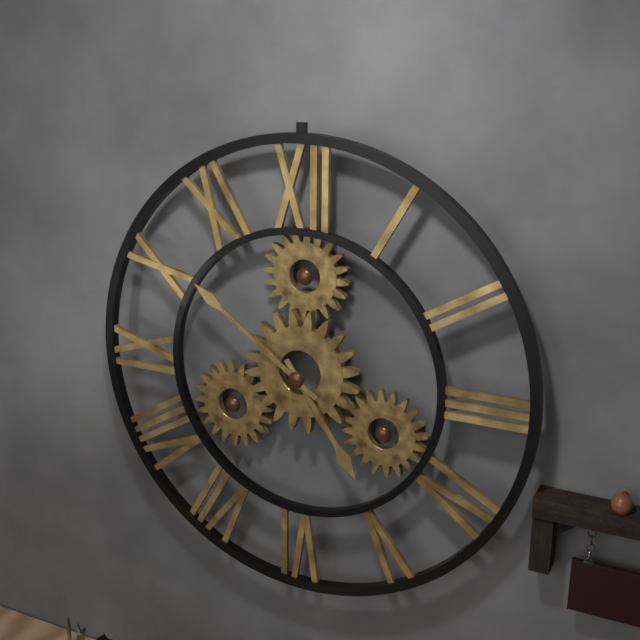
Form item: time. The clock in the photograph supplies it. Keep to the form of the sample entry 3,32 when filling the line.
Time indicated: 4,51
